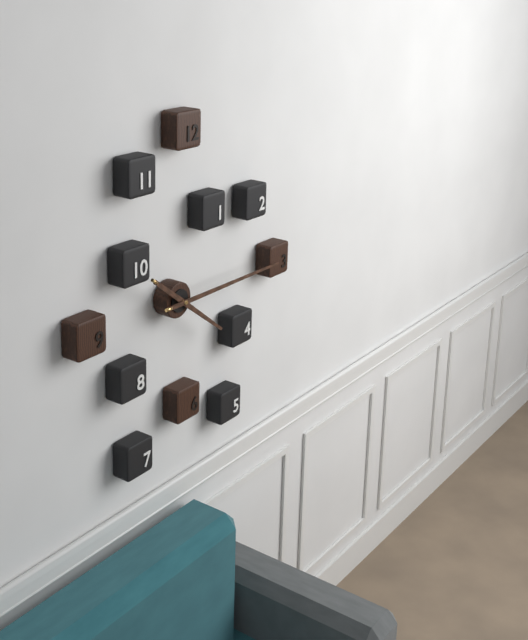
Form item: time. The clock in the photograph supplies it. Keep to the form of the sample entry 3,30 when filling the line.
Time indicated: 4,15
